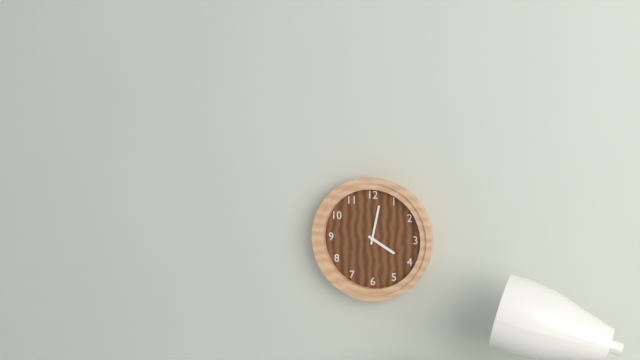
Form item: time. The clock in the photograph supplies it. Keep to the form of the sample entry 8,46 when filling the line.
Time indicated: 4,02
